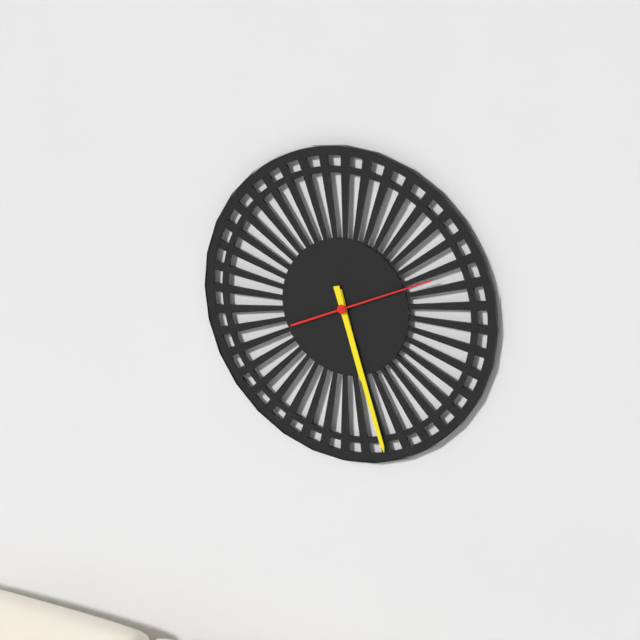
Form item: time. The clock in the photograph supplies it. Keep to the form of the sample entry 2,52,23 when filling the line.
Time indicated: 5,27,11
